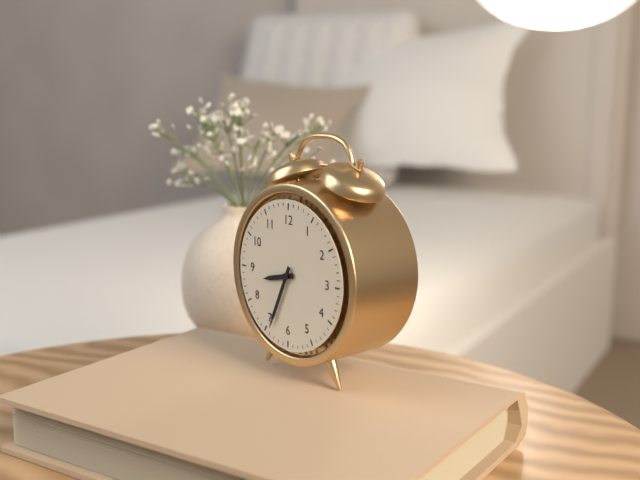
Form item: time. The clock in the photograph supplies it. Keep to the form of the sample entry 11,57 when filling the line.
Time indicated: 8,34
